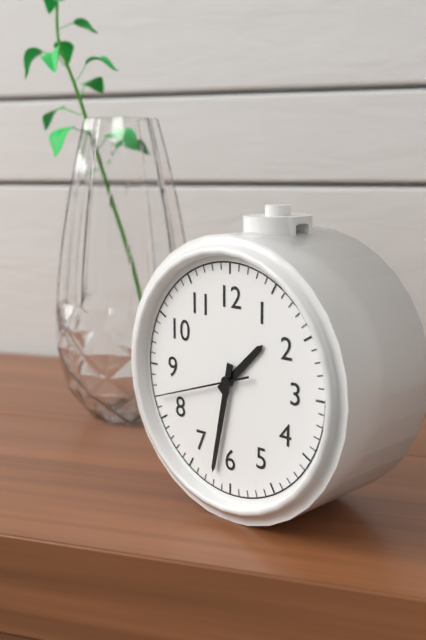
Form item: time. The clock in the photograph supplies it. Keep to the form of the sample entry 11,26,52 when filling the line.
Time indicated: 1,32,42
